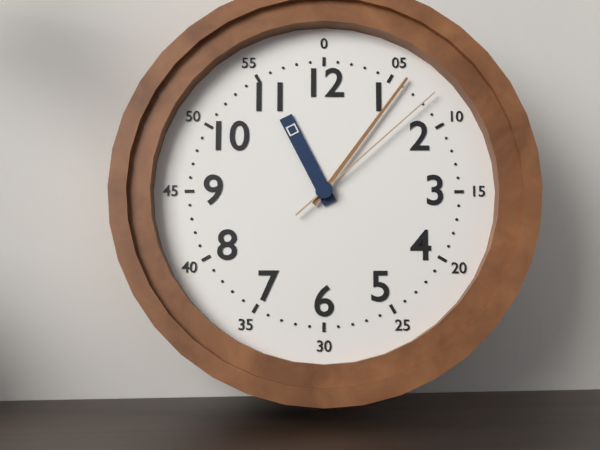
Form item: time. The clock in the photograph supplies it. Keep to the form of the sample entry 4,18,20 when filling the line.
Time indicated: 11,06,08
